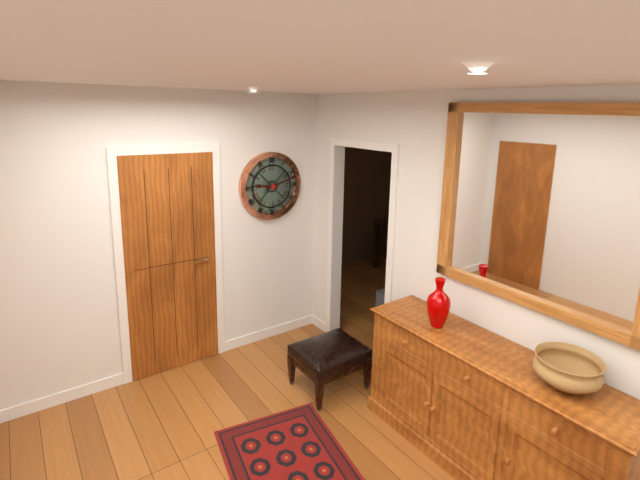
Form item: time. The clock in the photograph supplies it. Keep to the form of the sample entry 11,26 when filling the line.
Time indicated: 9,12
